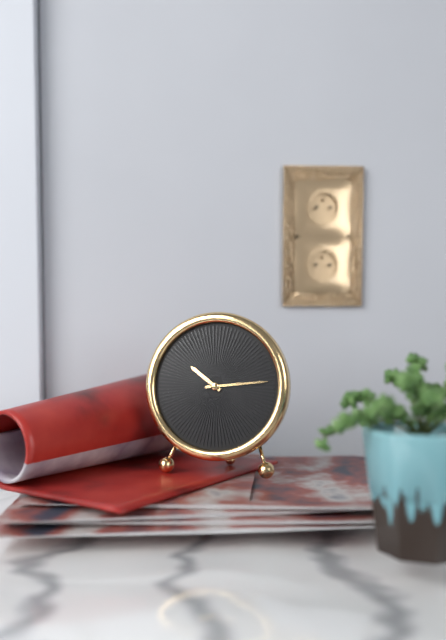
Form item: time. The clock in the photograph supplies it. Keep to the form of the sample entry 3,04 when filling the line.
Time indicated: 10,14
